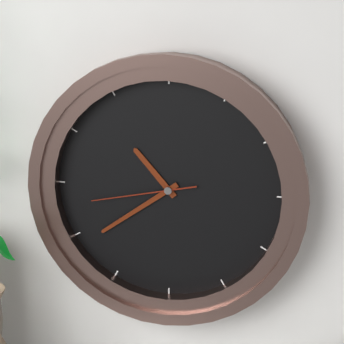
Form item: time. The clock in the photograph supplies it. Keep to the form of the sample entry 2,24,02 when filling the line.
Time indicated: 10,39,43
